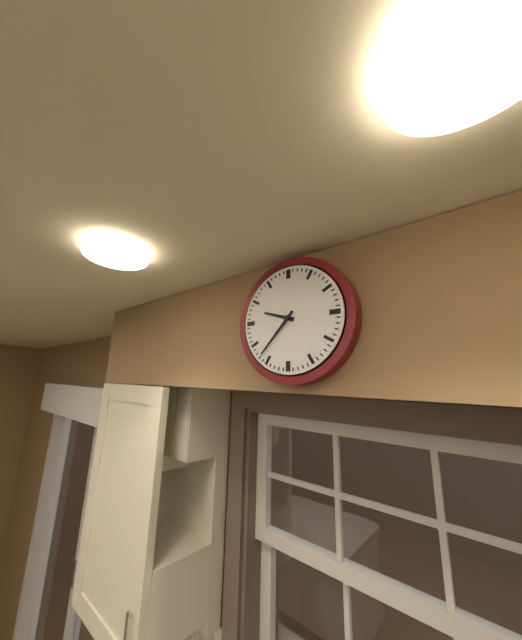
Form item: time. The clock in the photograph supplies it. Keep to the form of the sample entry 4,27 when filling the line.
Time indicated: 9,37
